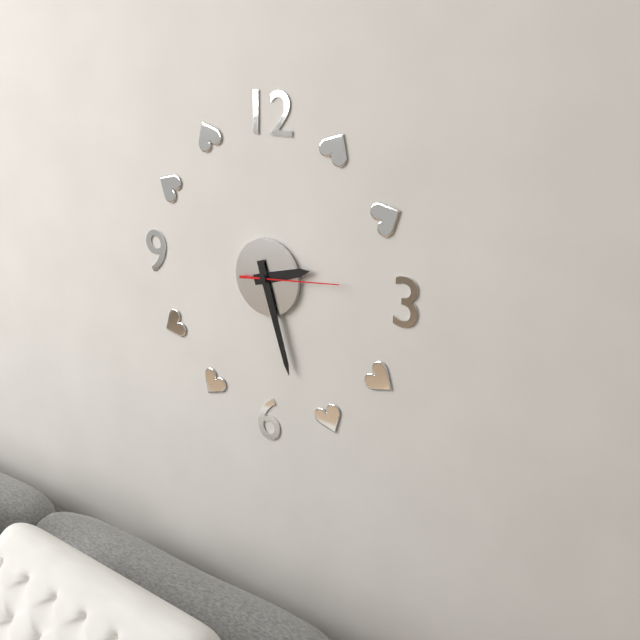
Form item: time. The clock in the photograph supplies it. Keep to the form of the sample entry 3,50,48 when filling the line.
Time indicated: 2,27,14
